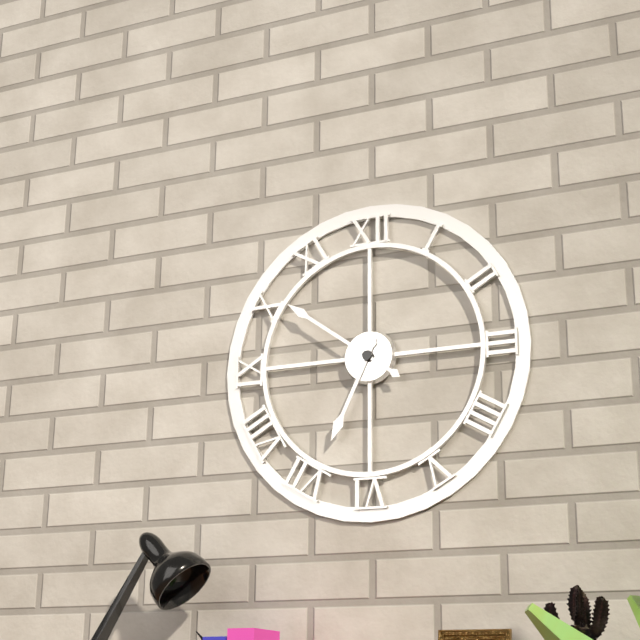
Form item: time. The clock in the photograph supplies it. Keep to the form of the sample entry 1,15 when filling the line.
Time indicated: 6,51
